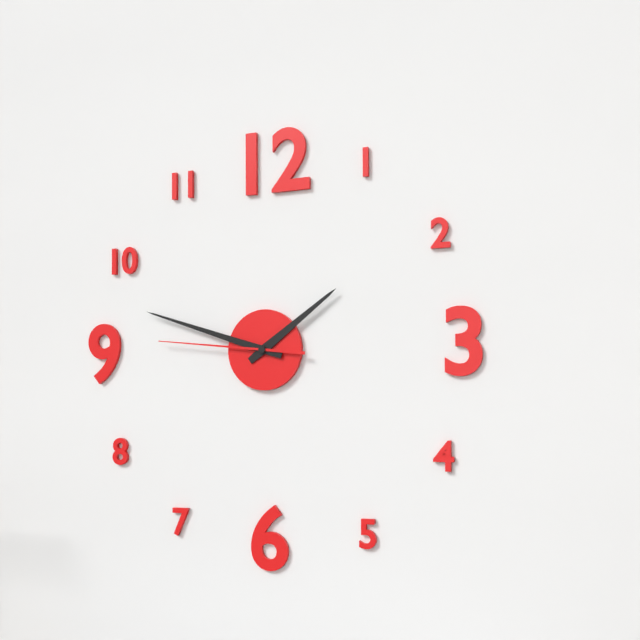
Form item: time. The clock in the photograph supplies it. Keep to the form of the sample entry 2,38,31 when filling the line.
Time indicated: 1,48,46
